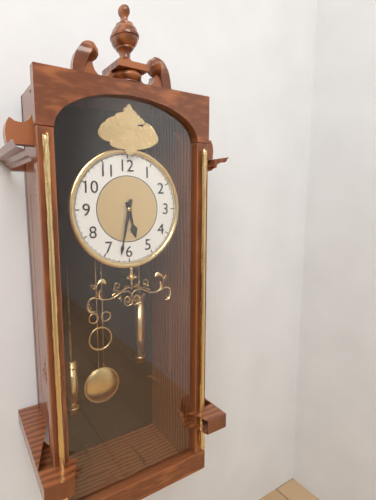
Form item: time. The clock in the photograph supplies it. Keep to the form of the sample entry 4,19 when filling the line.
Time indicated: 5,32
